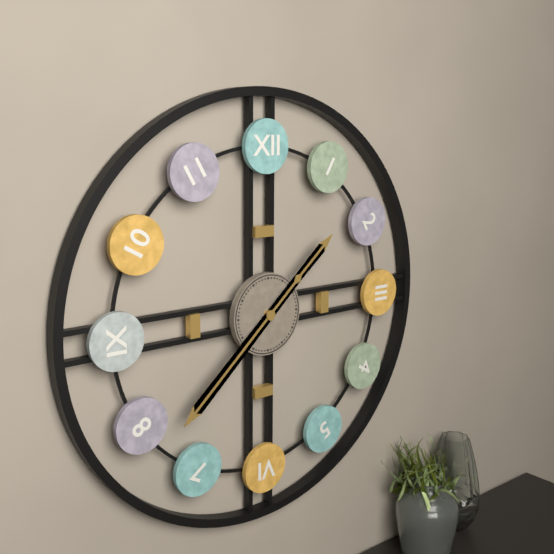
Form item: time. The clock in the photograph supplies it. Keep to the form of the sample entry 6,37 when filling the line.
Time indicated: 1,38
